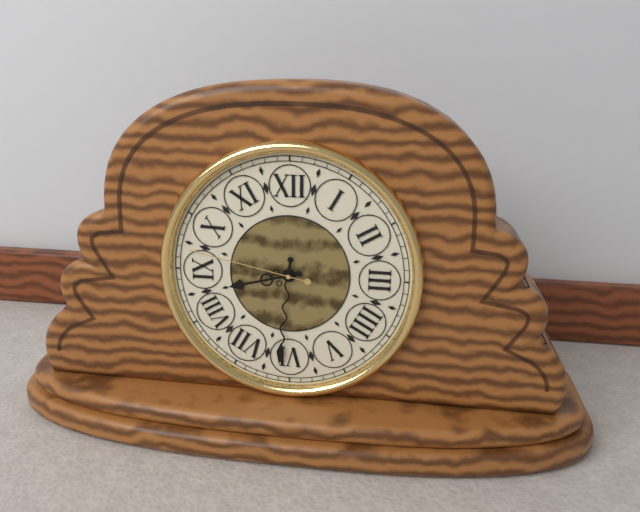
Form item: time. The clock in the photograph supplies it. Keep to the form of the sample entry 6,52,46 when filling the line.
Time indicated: 8,31,47
